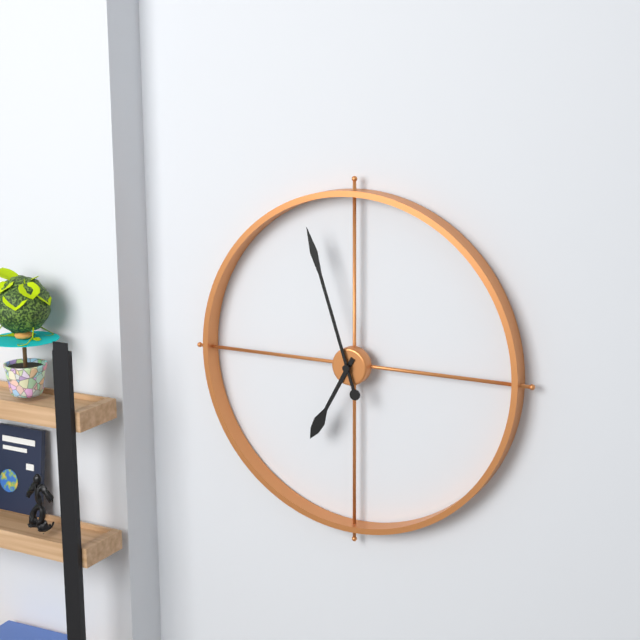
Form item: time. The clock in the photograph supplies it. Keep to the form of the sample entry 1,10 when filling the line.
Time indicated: 6,57
